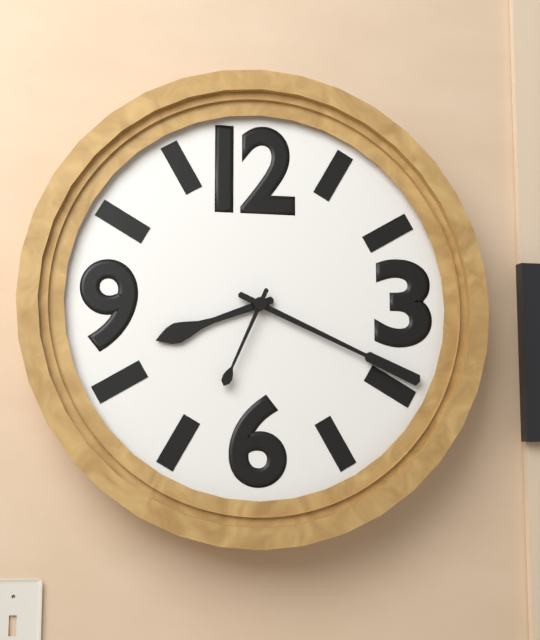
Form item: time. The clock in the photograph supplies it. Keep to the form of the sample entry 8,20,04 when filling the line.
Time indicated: 8,19,34
